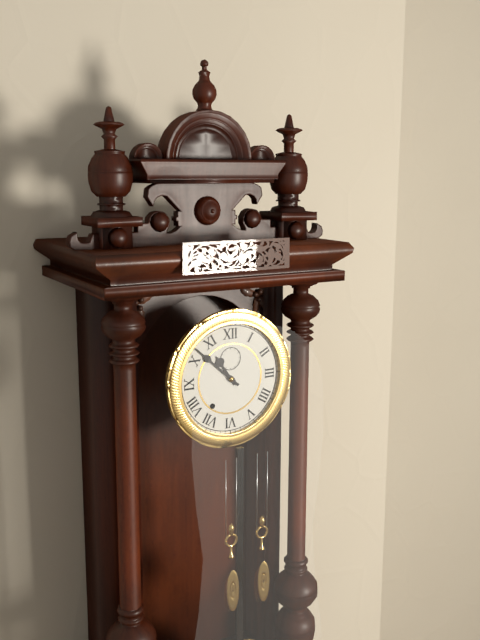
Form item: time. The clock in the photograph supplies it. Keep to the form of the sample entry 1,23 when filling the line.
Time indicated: 10,52
